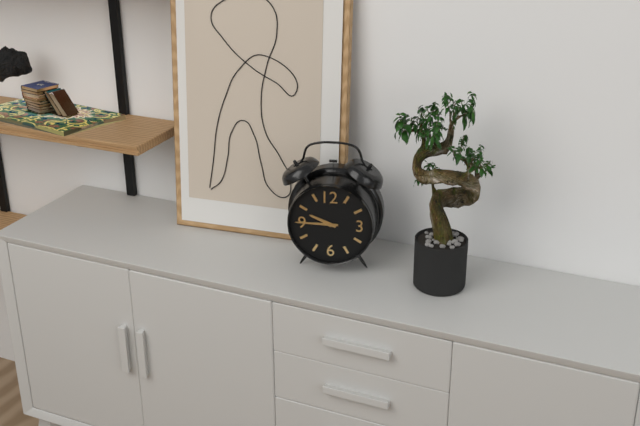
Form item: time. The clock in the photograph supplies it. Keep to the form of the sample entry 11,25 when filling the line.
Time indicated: 9,45
